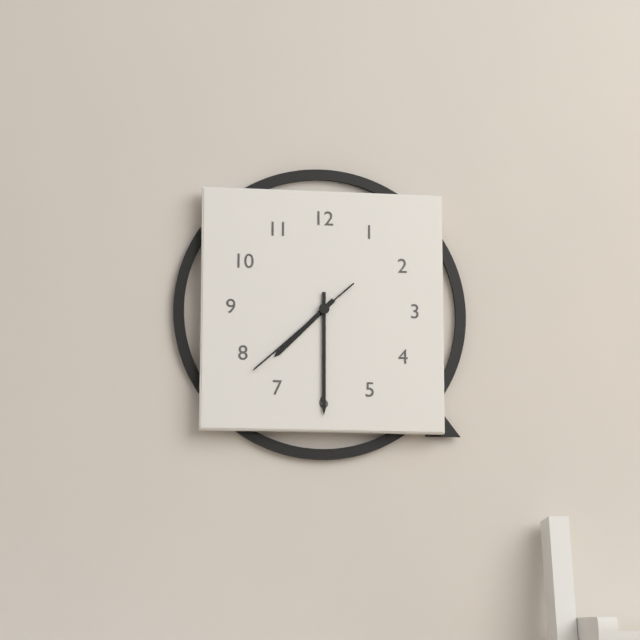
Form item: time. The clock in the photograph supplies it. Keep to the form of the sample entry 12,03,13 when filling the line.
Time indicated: 7,30,38
